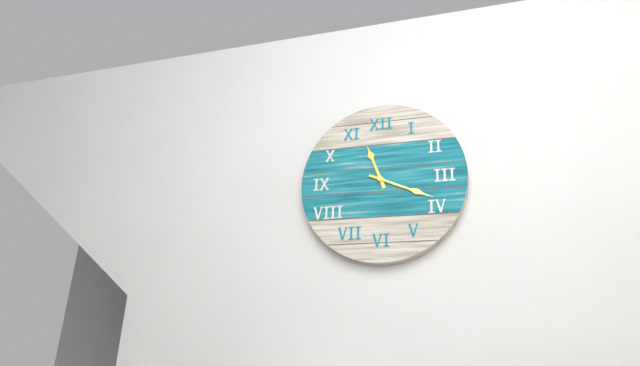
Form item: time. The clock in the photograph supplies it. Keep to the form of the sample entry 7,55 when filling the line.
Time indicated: 11,19
